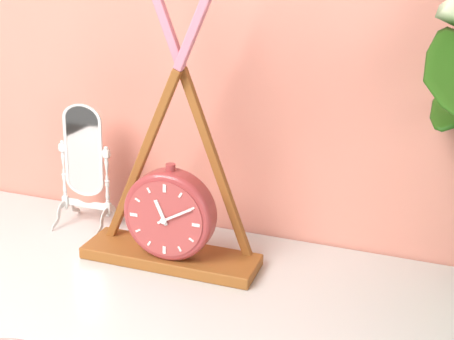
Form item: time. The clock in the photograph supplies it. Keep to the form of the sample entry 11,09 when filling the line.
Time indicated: 11,10
